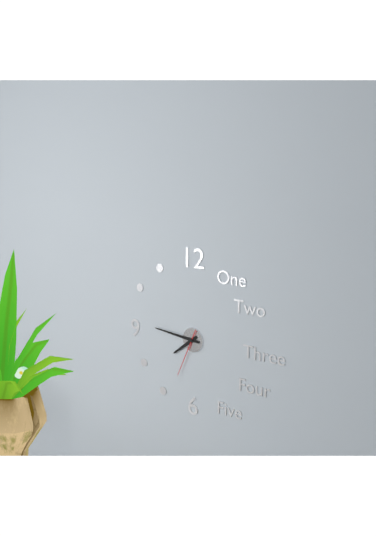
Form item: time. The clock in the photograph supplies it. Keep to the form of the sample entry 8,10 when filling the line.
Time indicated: 7,46
